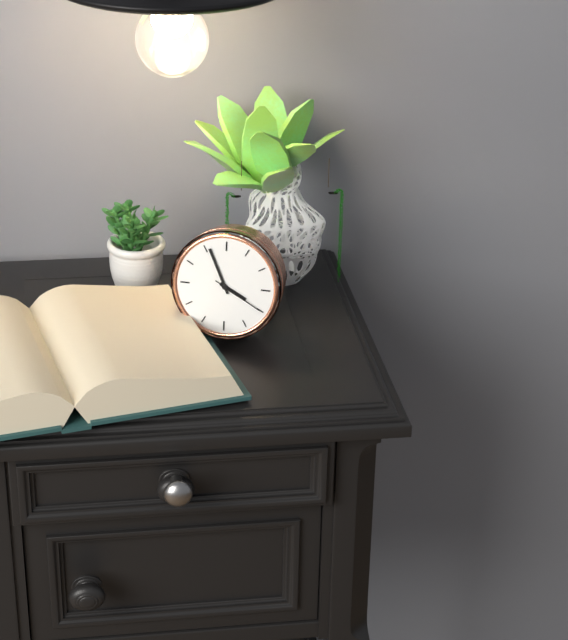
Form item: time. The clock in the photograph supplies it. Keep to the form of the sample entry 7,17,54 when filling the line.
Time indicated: 3,56,20
